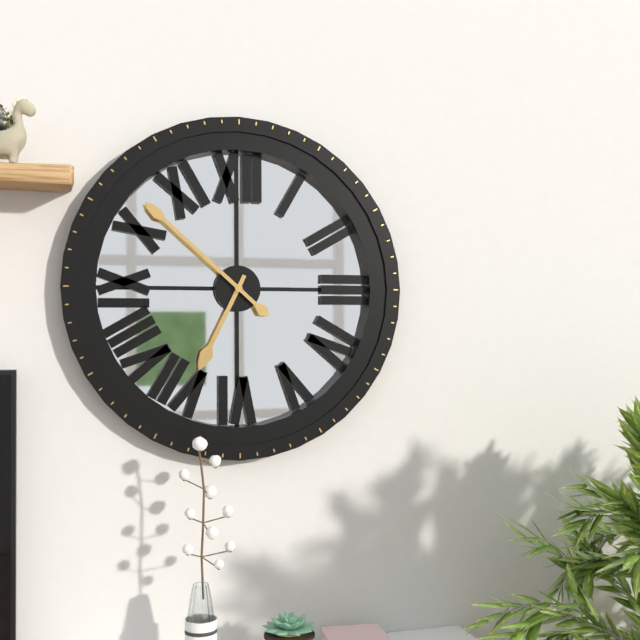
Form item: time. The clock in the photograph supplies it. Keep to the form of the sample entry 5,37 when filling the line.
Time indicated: 6,52
